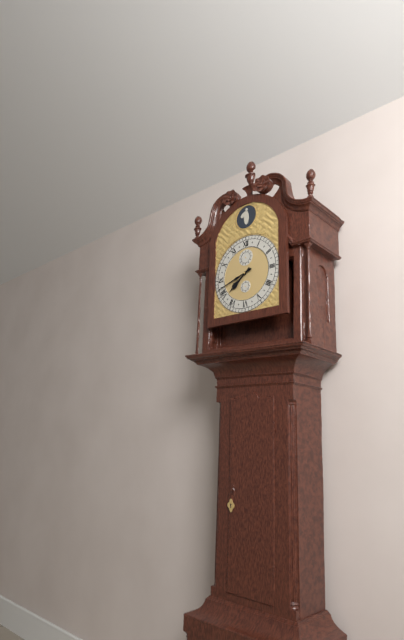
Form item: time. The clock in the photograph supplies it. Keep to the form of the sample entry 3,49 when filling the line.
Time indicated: 7,42
